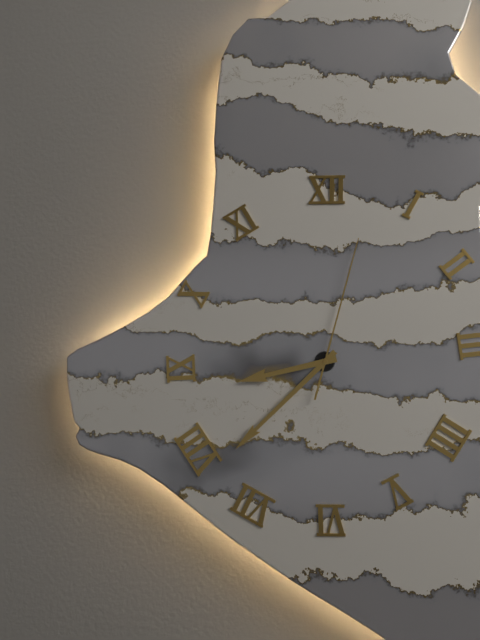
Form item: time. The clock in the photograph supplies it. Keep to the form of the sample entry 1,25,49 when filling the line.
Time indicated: 8,38,03
